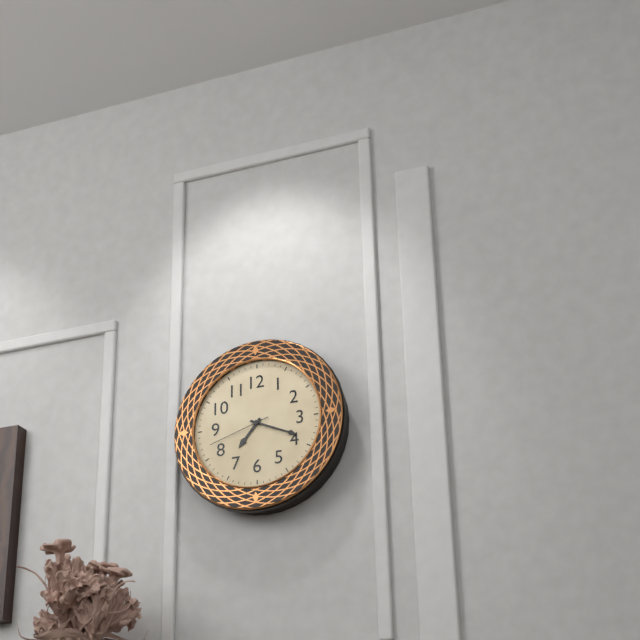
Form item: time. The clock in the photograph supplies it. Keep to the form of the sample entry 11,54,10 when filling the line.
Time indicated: 7,19,42
